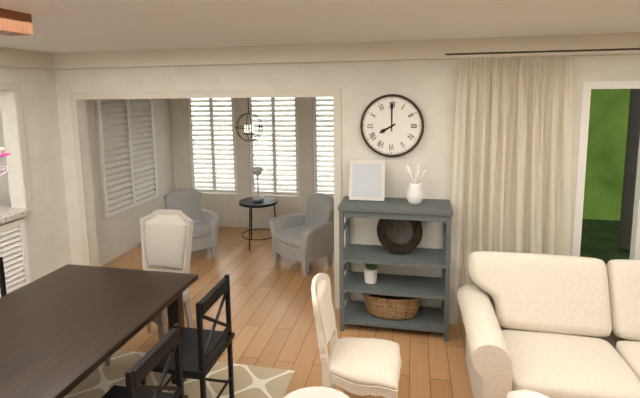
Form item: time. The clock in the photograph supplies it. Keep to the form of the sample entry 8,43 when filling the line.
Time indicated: 8,00
